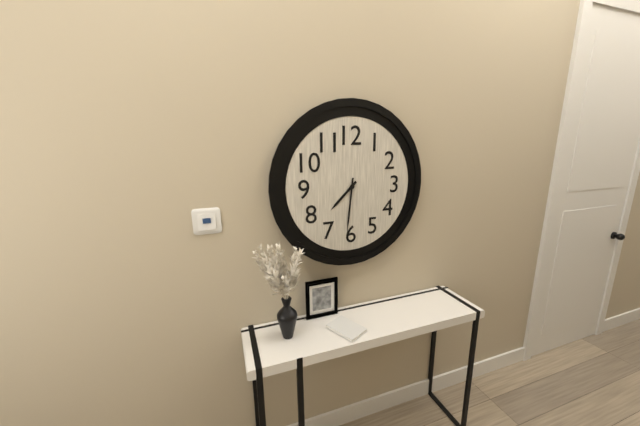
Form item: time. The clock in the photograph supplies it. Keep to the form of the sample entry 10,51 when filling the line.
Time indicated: 7,31
